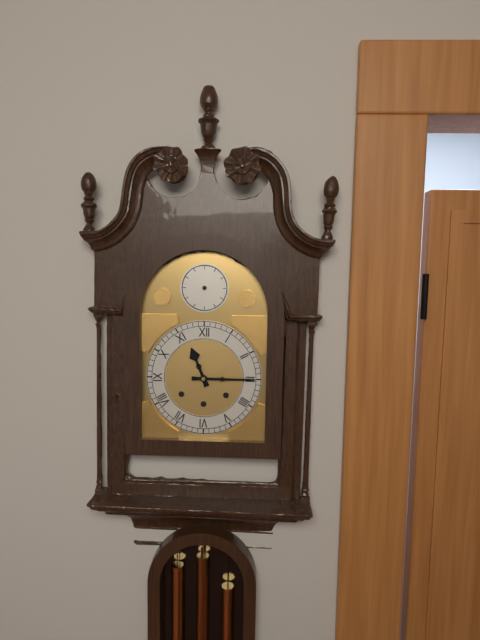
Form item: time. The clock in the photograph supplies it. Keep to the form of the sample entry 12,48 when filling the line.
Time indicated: 11,15
